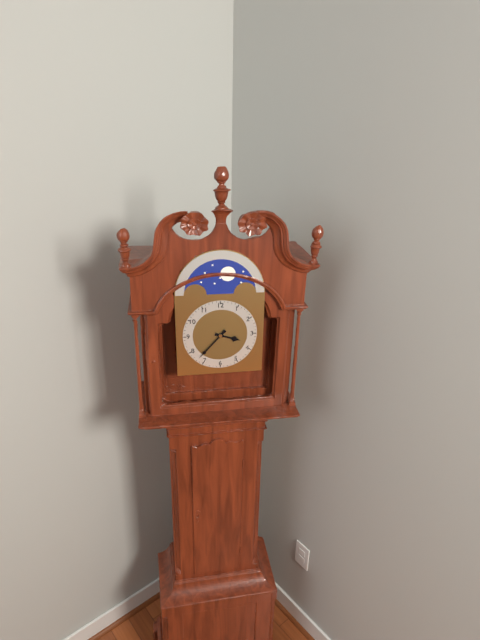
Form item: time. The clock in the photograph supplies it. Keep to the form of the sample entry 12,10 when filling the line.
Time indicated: 3,37
